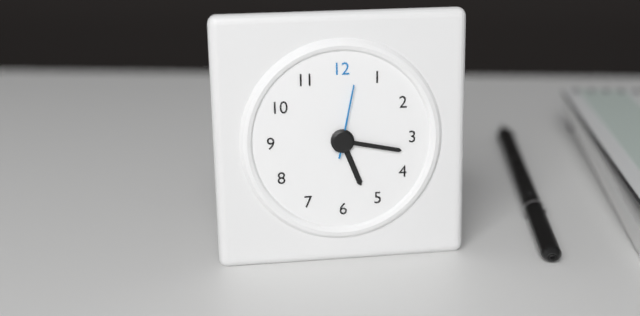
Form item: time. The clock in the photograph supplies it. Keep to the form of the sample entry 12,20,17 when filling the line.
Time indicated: 5,17,02
